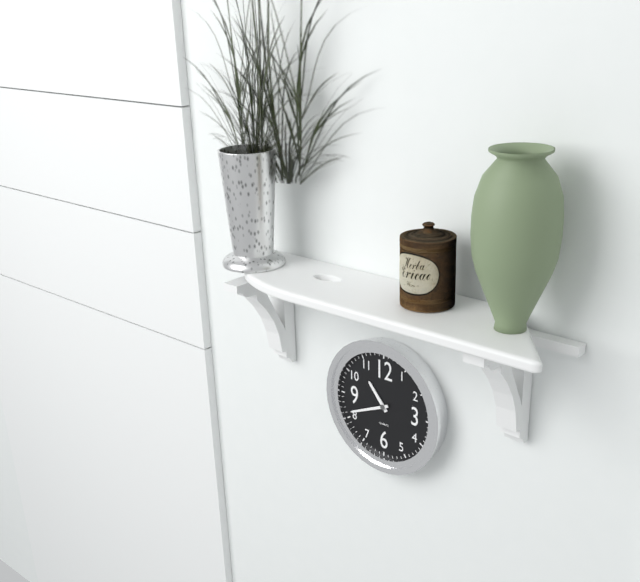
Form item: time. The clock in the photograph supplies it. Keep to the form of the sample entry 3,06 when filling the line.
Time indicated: 10,41
